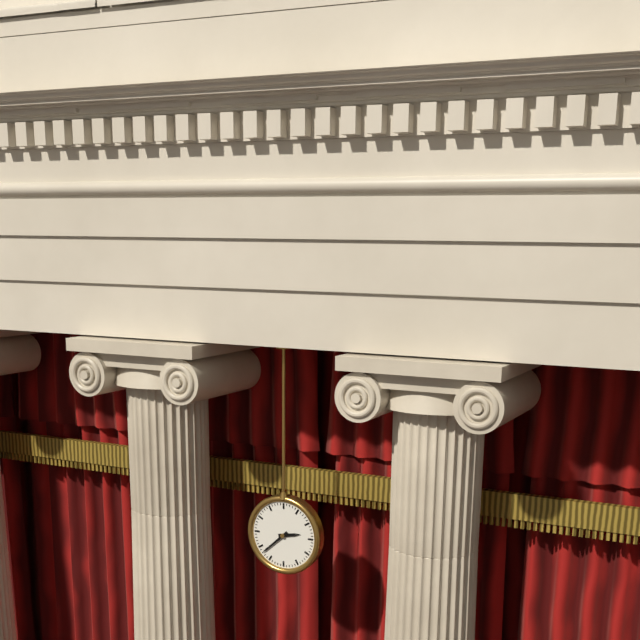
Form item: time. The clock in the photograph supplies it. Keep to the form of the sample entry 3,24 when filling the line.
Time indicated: 2,38
